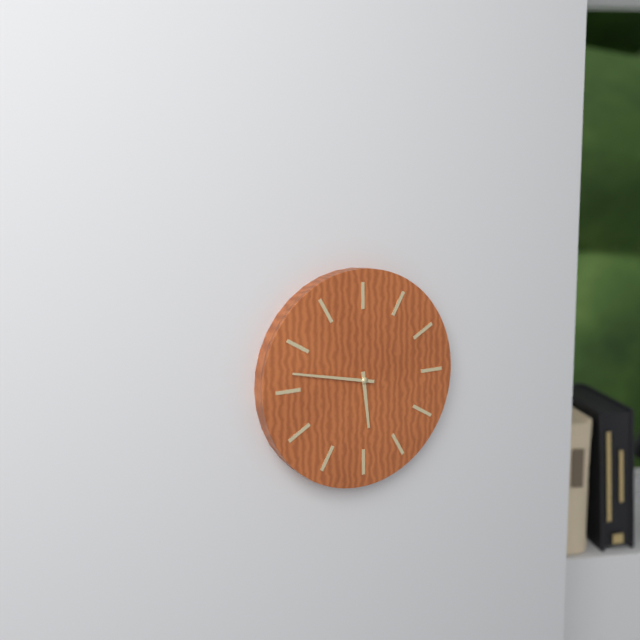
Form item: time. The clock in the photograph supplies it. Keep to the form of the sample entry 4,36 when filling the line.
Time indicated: 5,47
